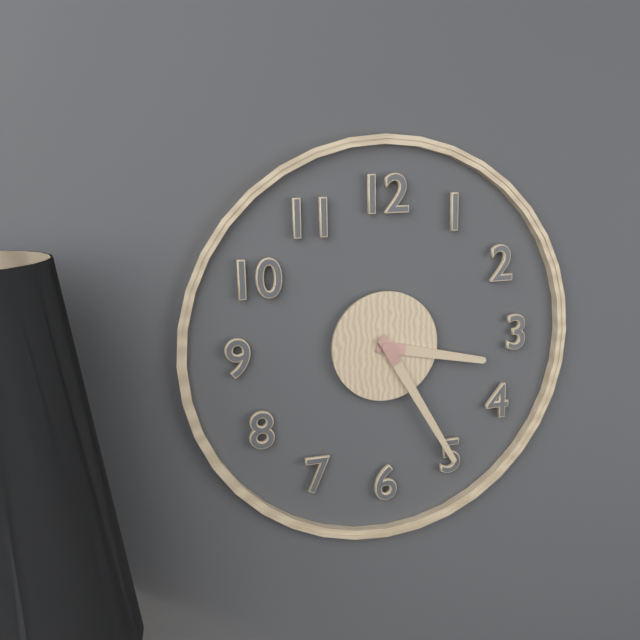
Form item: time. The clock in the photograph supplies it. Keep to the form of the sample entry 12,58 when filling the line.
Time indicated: 3,25
